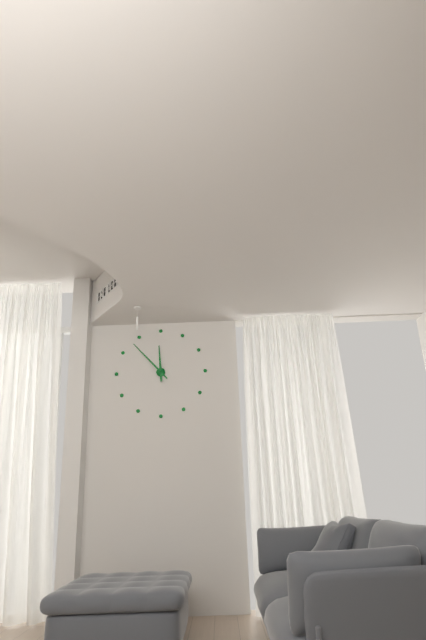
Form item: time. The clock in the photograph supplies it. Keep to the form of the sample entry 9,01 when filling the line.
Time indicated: 11,53
